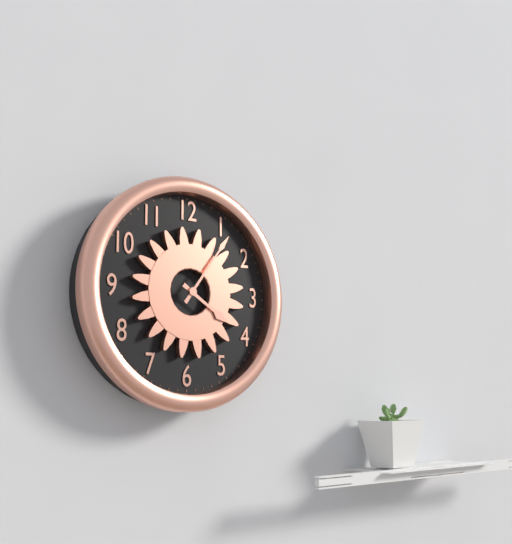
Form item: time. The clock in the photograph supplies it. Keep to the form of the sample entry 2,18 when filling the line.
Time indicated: 4,06
